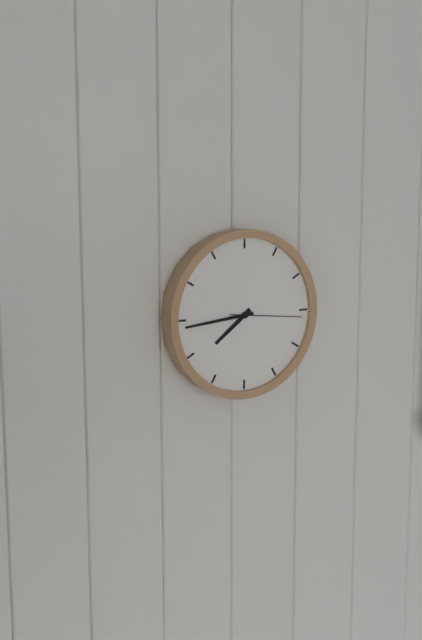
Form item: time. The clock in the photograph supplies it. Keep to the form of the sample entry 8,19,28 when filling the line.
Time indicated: 7,44,16
